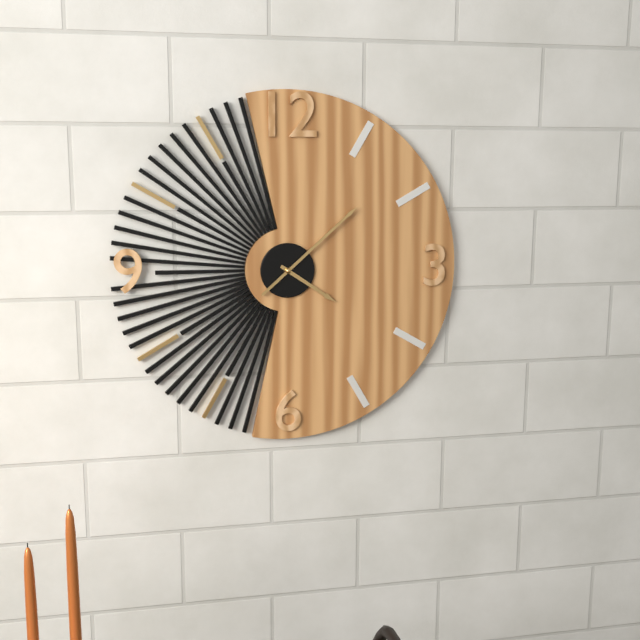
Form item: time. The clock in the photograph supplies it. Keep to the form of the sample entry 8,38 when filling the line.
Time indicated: 4,08
